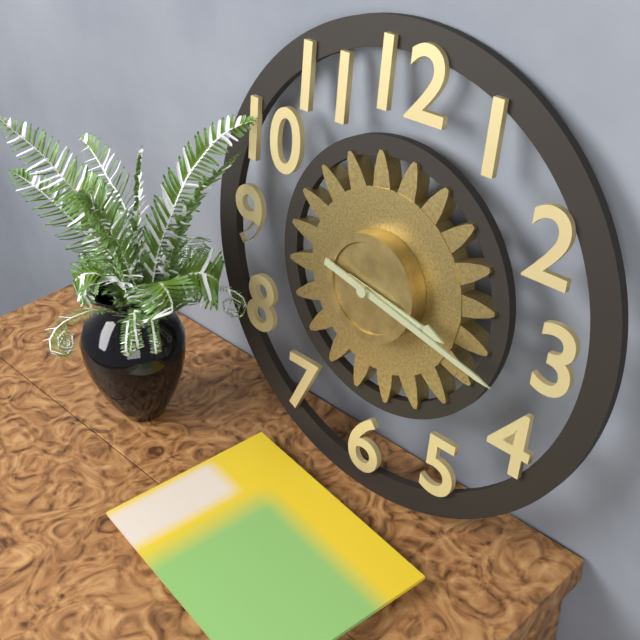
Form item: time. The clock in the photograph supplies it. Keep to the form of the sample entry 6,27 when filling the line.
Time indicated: 3,17
